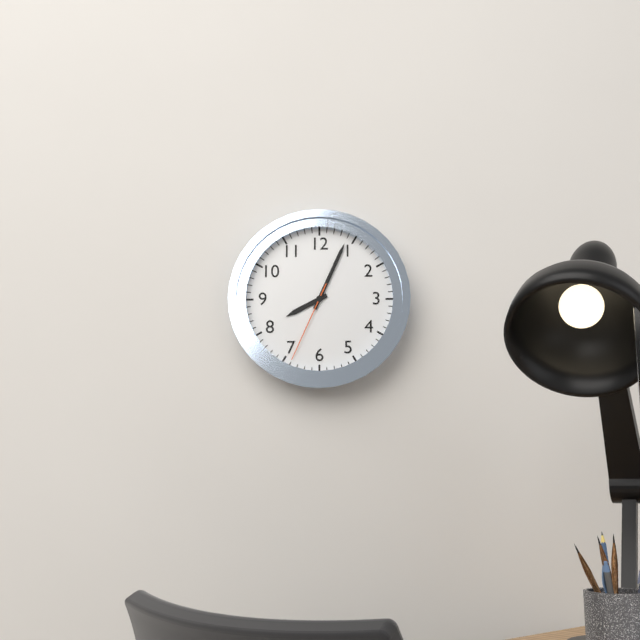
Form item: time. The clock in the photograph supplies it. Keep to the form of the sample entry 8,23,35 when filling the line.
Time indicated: 8,04,34
